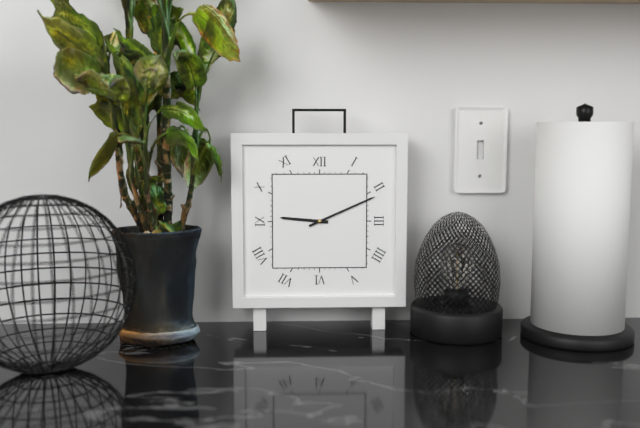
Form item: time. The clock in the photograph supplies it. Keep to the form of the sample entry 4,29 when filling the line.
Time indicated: 9,11
